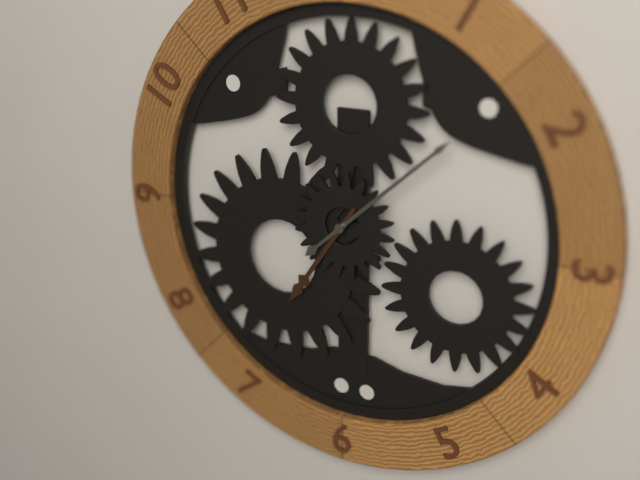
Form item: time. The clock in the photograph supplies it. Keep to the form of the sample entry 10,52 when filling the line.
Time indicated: 7,08
